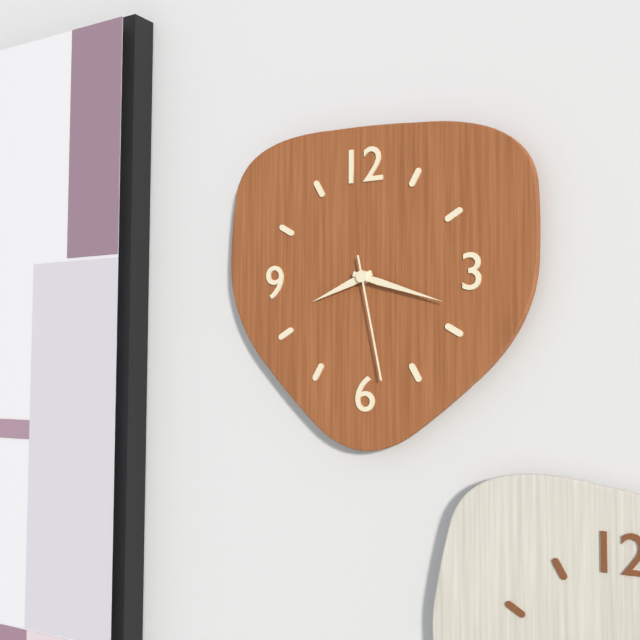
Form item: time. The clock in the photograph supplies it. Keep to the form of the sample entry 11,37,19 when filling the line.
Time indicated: 8,18,28
